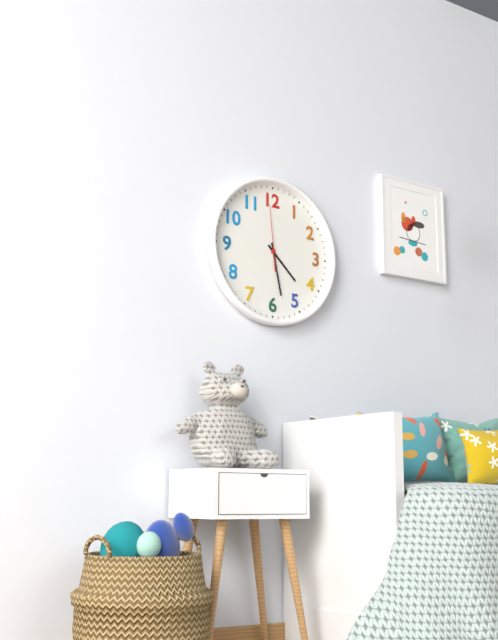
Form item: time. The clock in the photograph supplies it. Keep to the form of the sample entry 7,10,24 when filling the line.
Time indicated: 4,28,59
